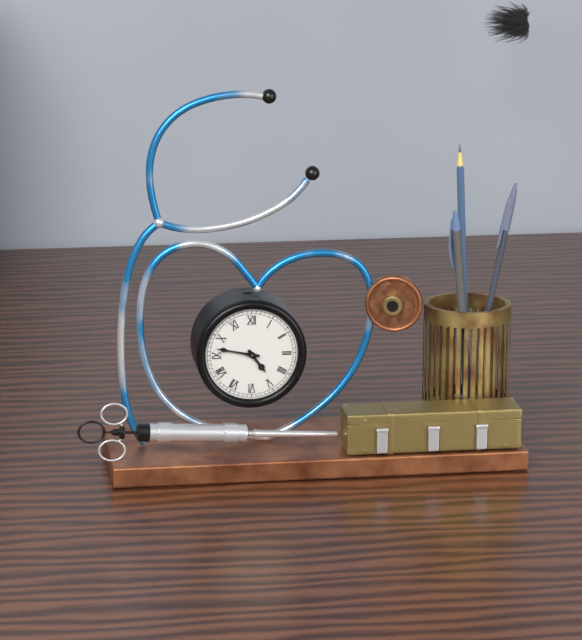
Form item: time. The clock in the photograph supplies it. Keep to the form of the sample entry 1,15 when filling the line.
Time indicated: 4,47
